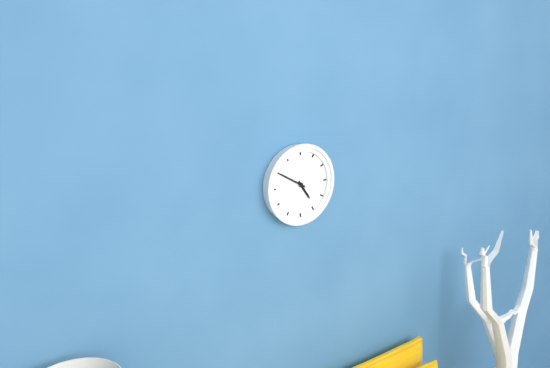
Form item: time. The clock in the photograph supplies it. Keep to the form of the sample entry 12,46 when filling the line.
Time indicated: 4,50
